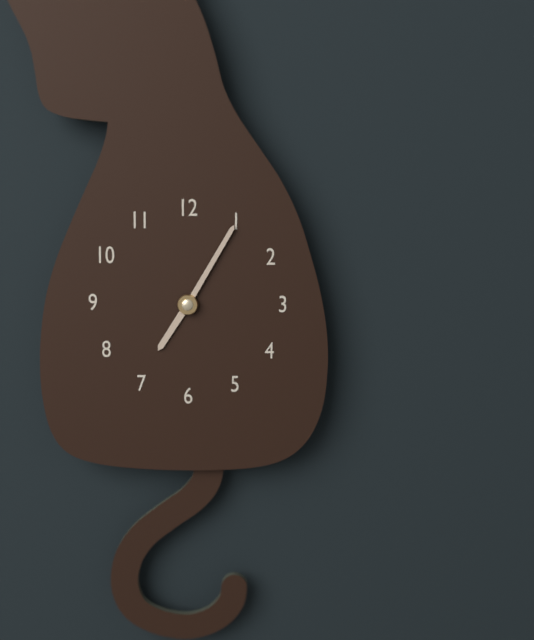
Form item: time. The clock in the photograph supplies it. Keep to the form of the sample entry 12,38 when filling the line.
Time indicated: 7,05
